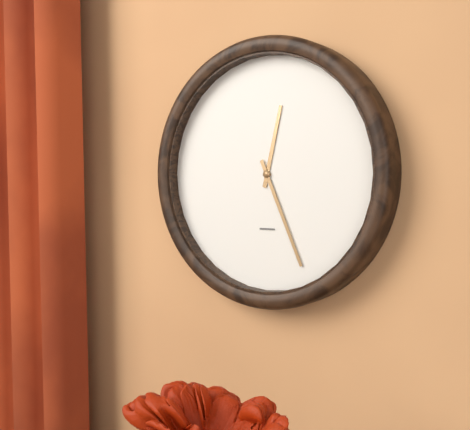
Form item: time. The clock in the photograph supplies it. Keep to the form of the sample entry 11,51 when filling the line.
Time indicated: 12,26
